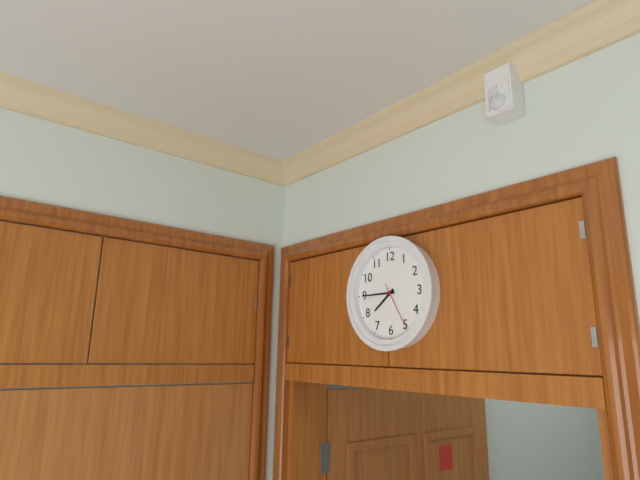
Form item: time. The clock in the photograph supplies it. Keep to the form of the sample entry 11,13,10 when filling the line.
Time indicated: 7,45,25
